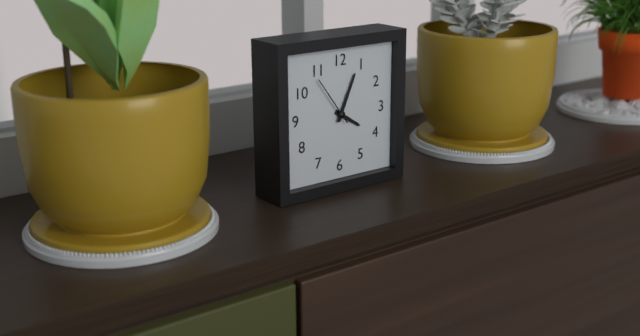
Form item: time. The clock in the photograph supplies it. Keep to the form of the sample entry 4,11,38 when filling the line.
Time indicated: 4,04,54
